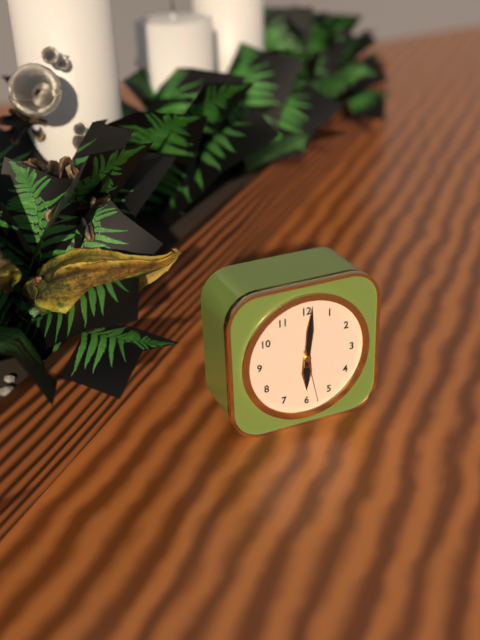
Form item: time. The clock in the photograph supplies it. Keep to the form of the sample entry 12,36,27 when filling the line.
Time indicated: 6,01,28
